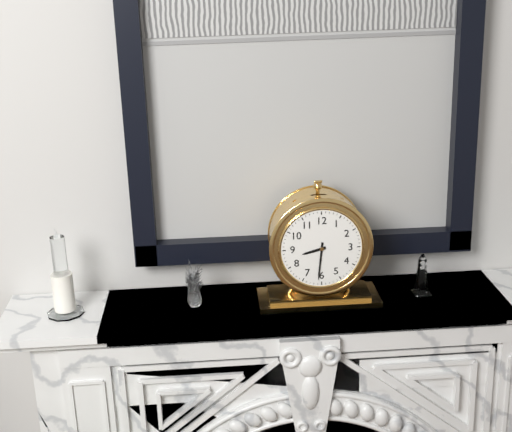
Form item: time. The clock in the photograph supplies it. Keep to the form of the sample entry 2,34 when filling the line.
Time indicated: 8,31
